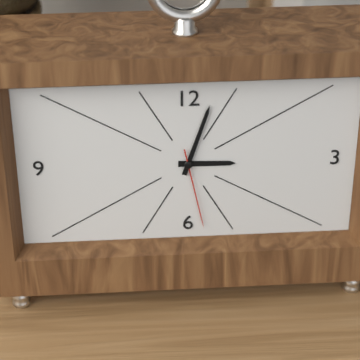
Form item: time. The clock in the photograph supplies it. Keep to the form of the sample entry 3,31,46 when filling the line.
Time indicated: 3,03,28
